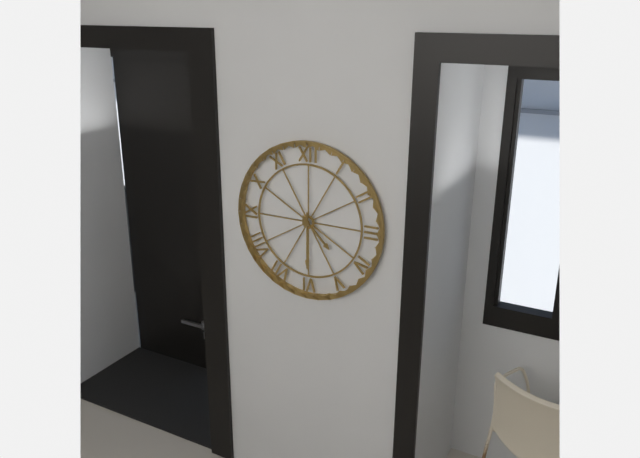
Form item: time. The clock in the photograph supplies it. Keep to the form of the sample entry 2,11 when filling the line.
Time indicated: 4,30
